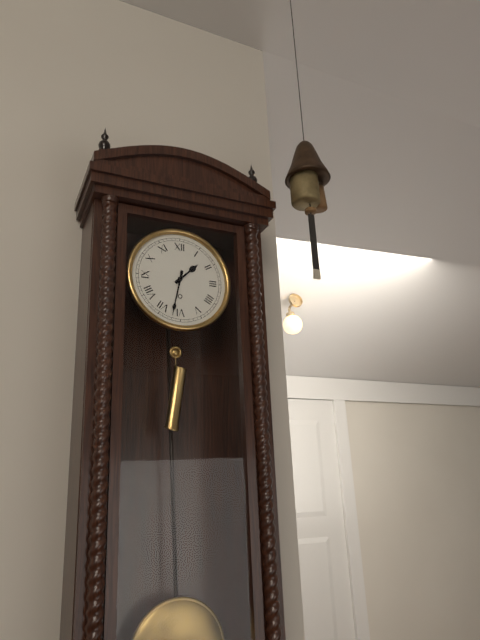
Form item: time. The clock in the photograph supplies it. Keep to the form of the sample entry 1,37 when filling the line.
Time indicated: 1,32
